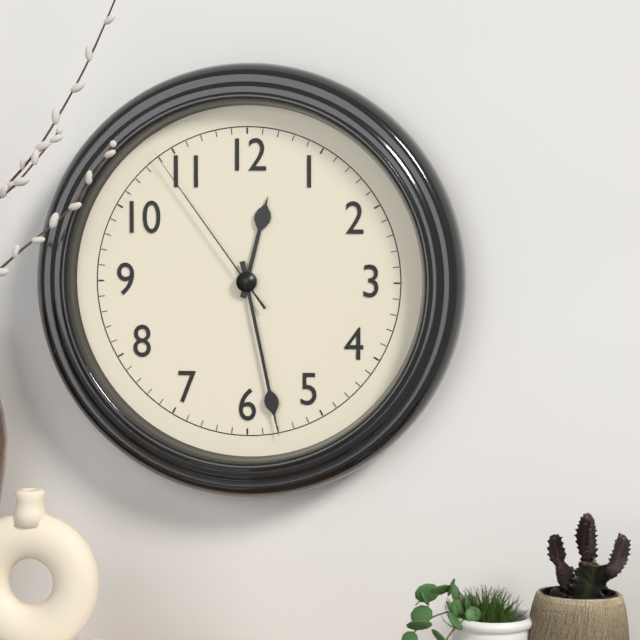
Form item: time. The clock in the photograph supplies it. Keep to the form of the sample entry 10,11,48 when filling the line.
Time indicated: 12,28,54
